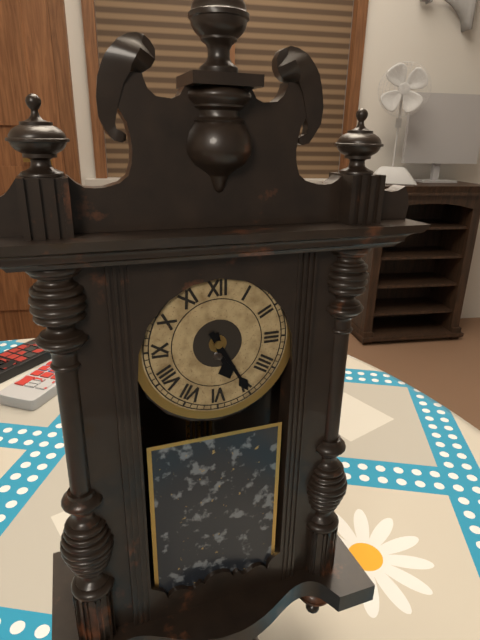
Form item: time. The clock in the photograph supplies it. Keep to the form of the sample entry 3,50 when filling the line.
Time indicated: 5,25
